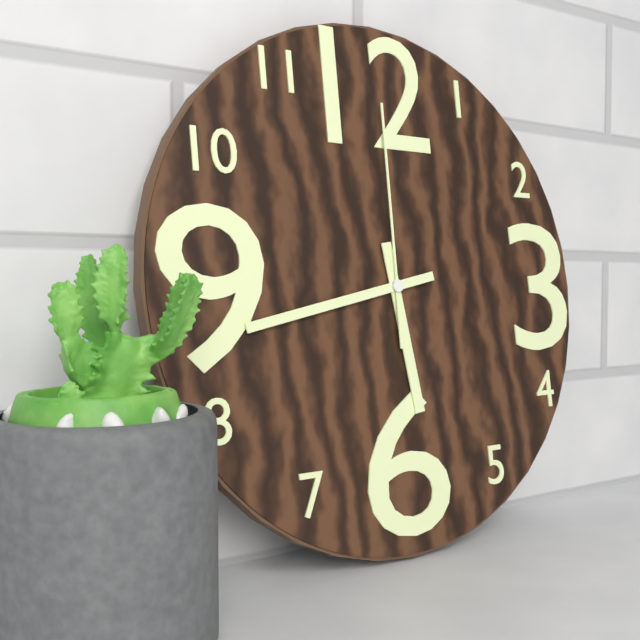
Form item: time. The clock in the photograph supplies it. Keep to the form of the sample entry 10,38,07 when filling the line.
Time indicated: 5,43,00
